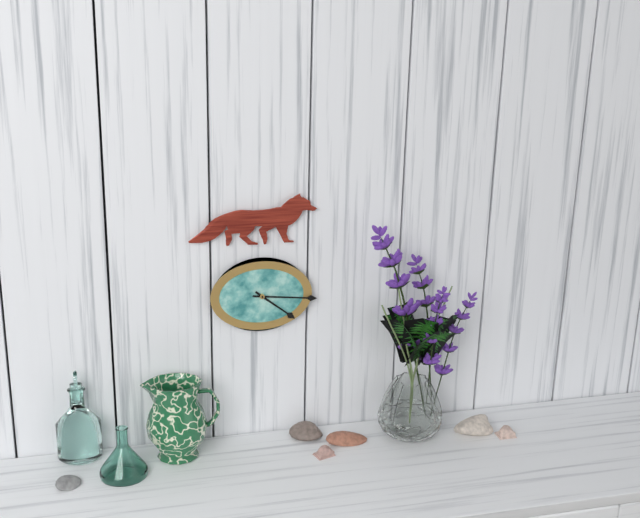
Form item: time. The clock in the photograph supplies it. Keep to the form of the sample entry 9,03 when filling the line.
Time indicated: 4,16
